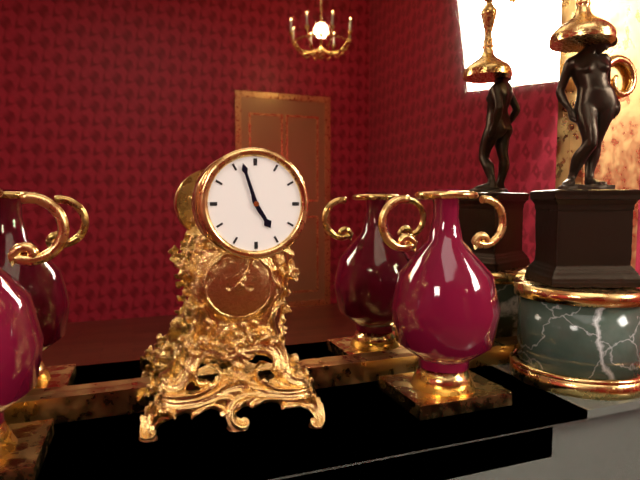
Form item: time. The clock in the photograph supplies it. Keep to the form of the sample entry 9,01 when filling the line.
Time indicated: 4,57
